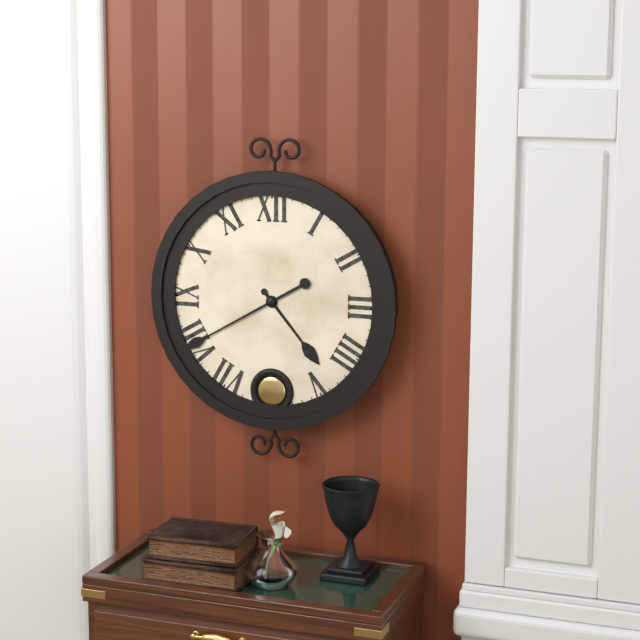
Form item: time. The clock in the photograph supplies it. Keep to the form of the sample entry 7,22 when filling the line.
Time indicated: 4,40
